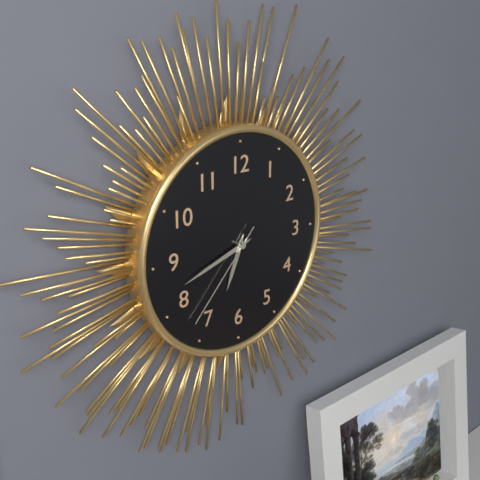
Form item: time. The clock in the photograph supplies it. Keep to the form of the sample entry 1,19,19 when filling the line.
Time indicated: 6,42,37
